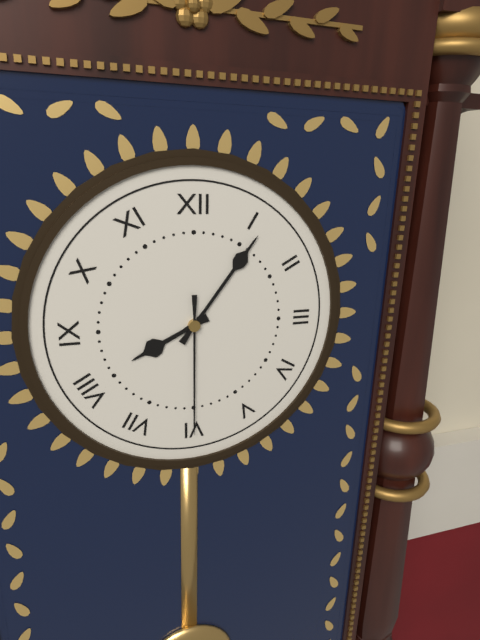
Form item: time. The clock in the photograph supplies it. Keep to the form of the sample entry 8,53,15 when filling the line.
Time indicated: 8,06,30
